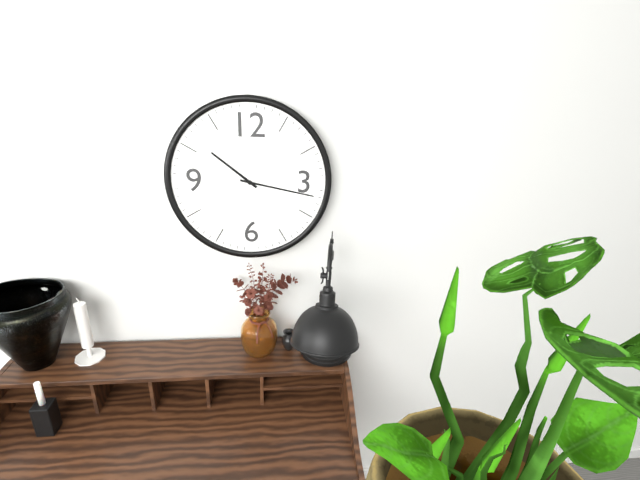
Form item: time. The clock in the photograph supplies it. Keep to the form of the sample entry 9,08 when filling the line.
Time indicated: 10,17
